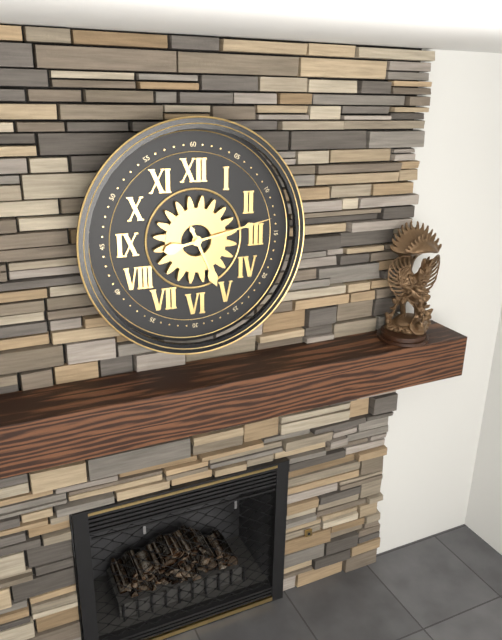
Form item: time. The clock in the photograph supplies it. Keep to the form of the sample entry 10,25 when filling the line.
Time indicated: 5,13
